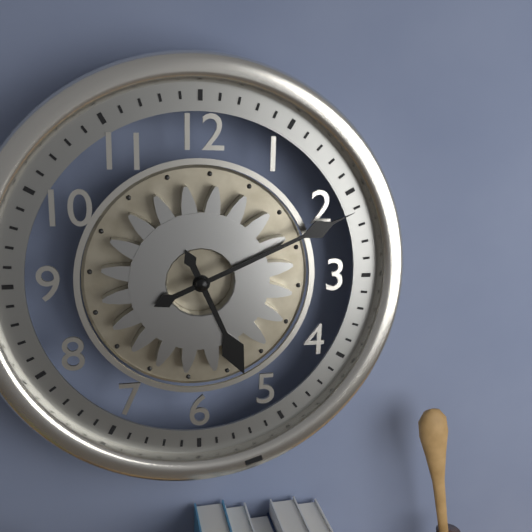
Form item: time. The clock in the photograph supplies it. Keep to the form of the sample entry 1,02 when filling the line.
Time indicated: 5,11
